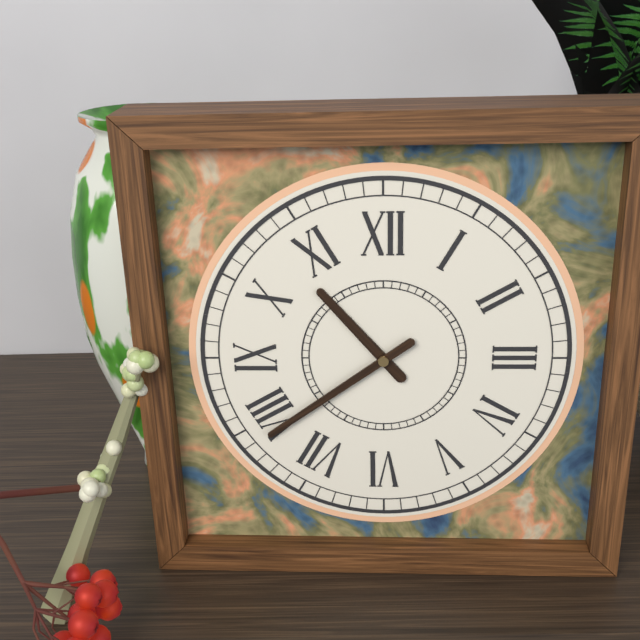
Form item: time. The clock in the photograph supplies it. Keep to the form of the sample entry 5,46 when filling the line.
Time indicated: 10,39
